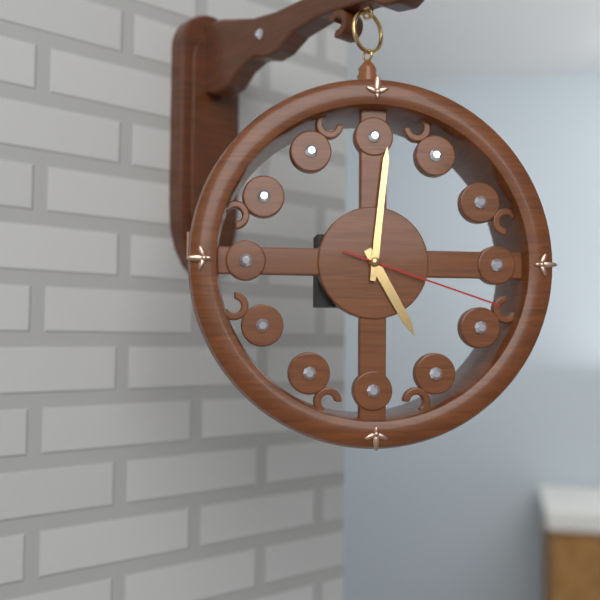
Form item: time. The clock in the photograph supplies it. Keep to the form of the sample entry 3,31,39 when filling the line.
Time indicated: 5,01,18
